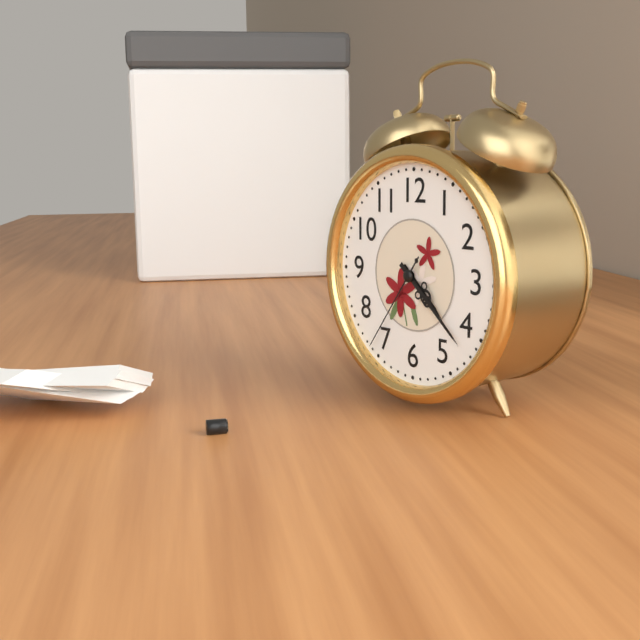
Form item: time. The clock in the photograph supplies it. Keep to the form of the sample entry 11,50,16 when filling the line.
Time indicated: 4,22,36
